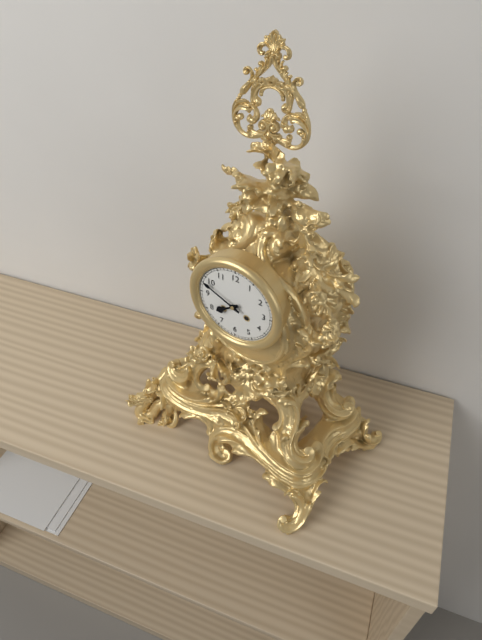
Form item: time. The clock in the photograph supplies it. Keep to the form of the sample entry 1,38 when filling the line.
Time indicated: 7,49
